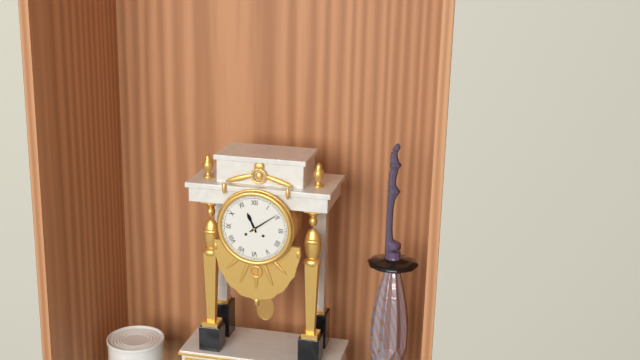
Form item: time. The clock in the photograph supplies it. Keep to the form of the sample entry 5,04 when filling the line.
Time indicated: 11,09
